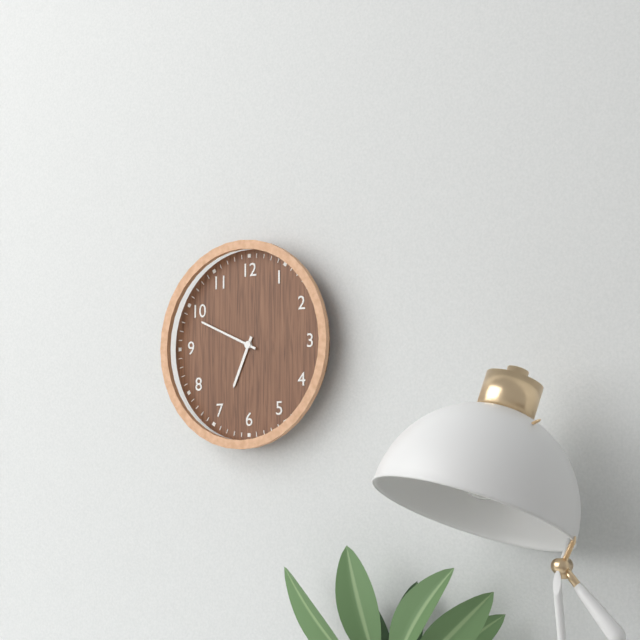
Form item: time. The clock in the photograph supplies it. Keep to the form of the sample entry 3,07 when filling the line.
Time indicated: 6,49
